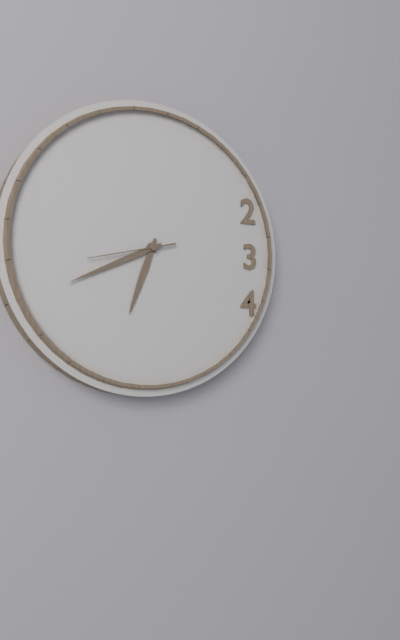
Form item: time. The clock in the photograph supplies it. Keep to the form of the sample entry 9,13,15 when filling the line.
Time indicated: 6,41,43
